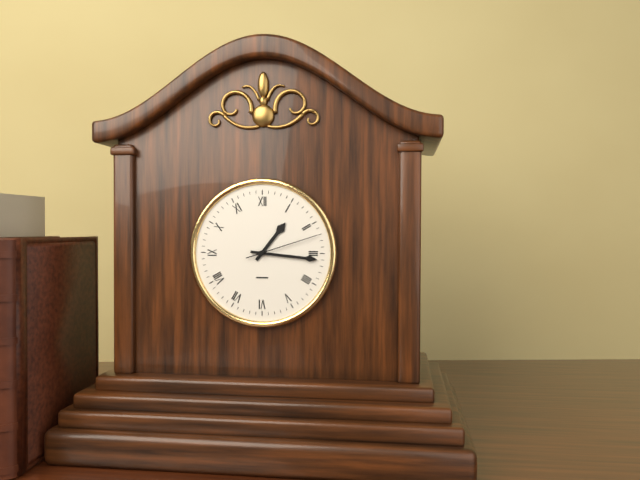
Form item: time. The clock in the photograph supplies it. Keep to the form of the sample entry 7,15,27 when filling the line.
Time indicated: 1,16,12
